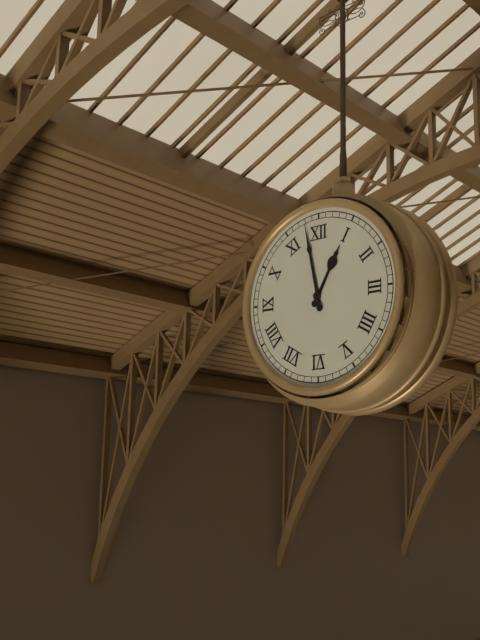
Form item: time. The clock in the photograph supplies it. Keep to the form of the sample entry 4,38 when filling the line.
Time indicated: 12,58
